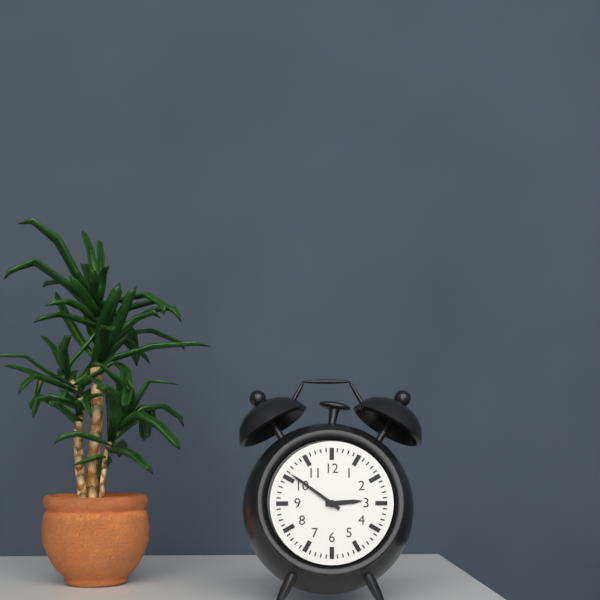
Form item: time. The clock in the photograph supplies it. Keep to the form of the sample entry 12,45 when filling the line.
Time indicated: 2,51
